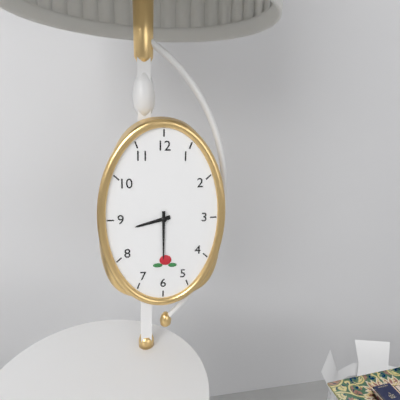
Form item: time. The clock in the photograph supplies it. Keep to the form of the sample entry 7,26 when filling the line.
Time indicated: 8,30
